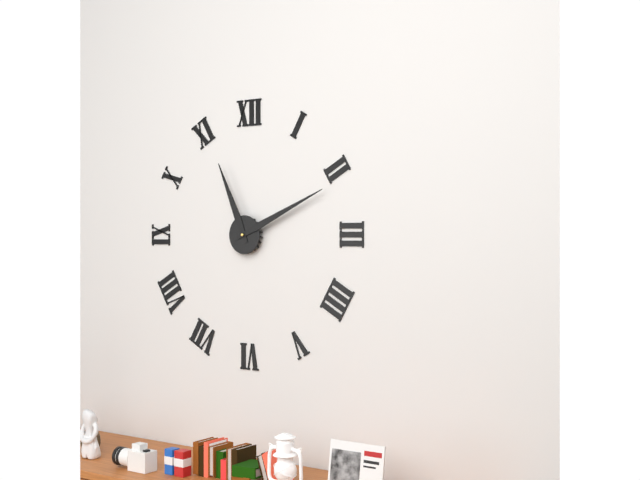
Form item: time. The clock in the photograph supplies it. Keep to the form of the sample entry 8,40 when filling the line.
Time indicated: 11,11
